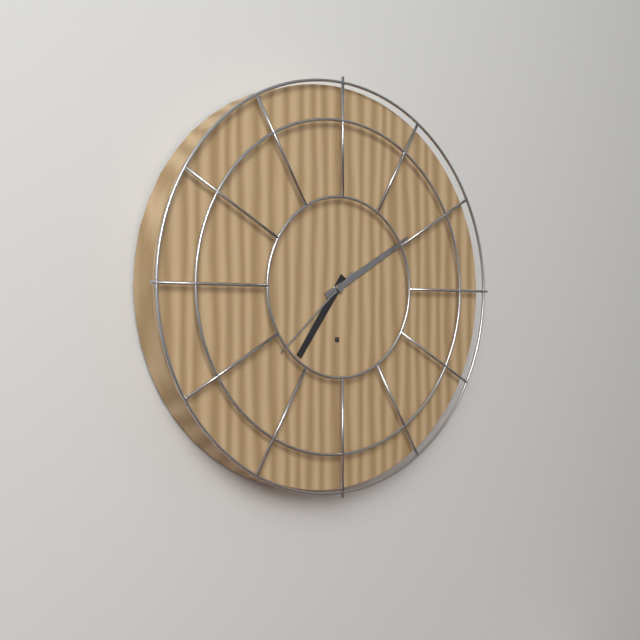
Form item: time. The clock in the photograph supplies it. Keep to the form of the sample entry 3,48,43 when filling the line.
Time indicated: 7,10,38
